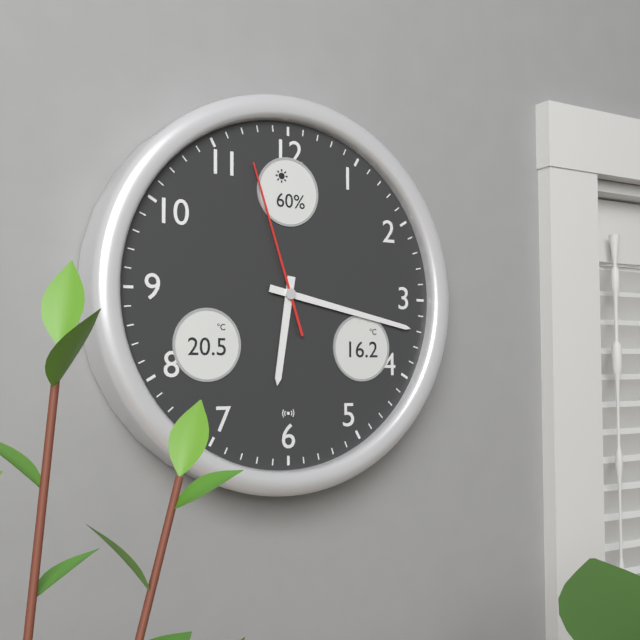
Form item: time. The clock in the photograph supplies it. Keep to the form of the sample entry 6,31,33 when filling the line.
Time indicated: 6,17,57
